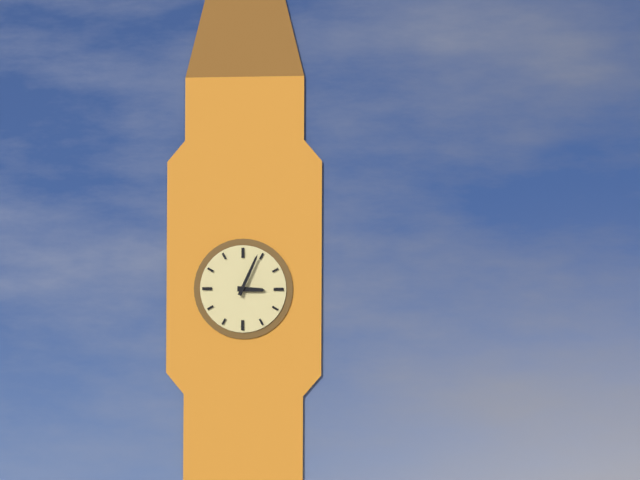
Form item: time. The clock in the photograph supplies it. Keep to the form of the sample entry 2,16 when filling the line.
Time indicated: 3,04
